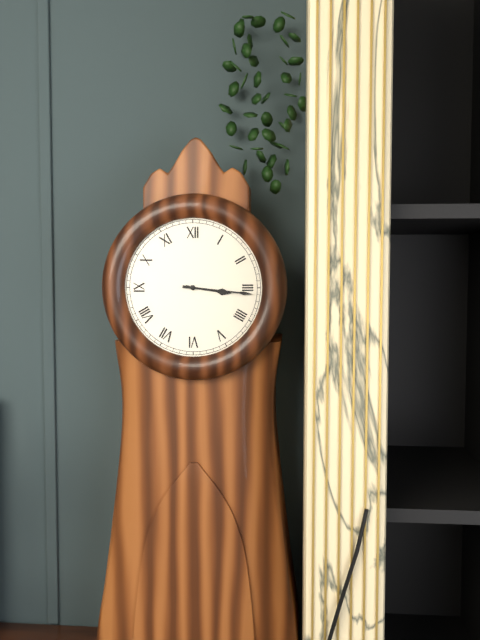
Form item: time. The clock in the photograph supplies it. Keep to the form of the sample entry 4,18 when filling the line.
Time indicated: 3,16
